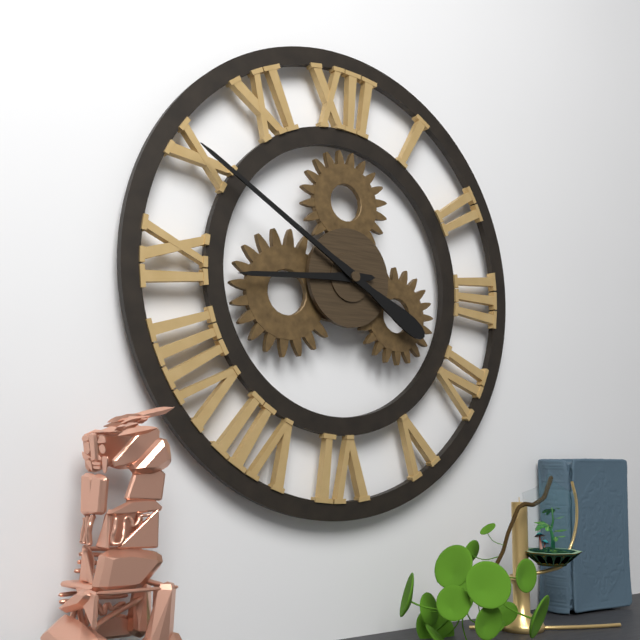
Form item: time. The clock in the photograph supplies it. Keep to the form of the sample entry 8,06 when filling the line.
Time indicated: 8,50
